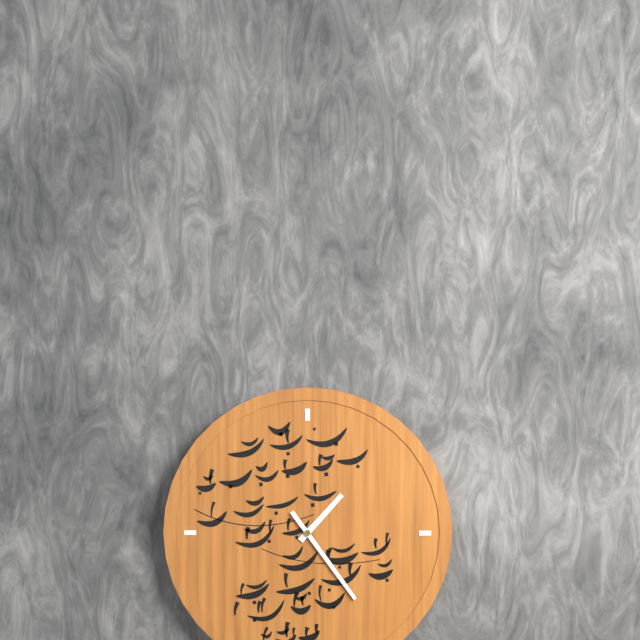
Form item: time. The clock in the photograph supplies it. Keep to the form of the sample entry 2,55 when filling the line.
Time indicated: 1,24
